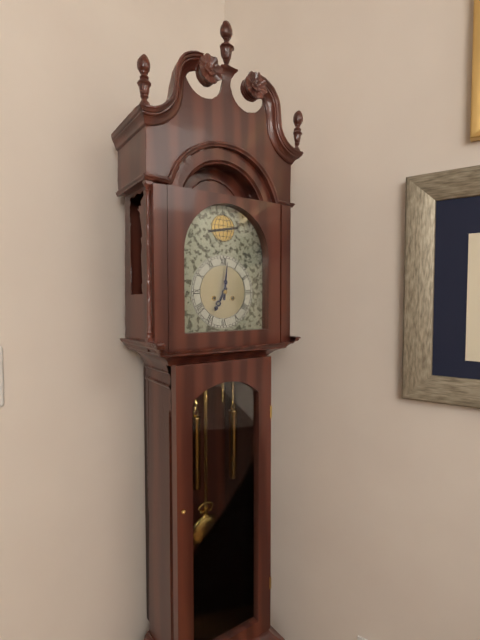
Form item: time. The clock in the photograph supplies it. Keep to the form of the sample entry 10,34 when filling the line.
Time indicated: 7,01
